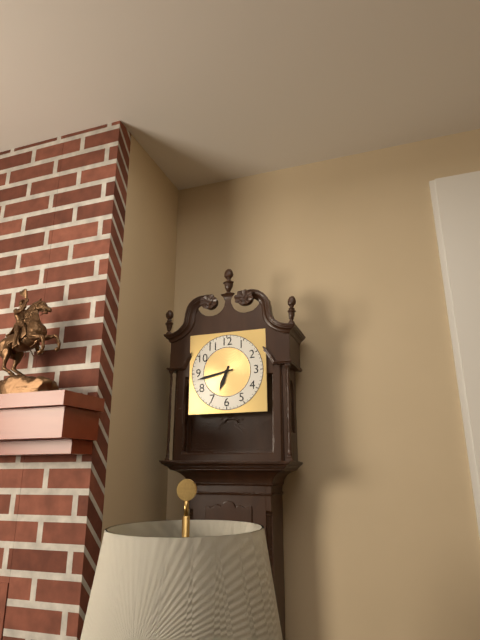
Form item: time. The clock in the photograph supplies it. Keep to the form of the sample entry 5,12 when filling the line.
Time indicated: 6,43
